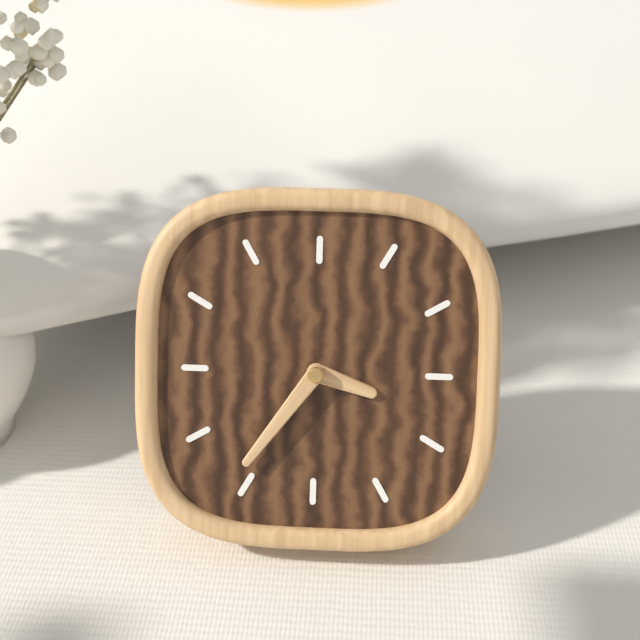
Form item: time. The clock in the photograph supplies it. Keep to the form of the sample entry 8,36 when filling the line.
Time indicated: 3,36
